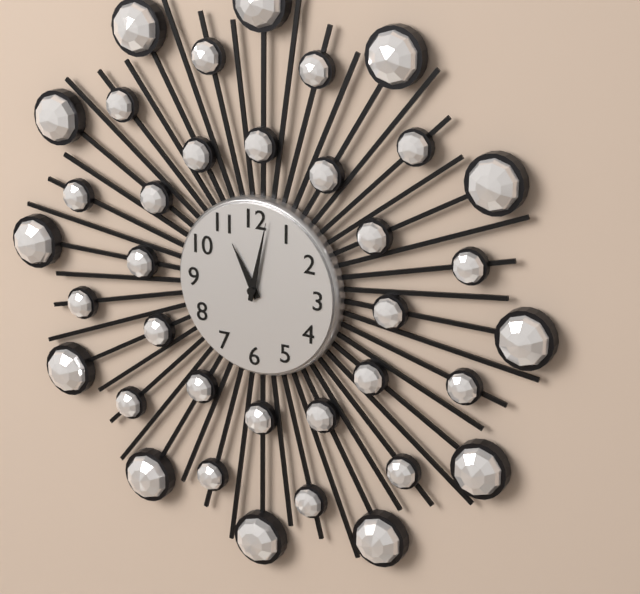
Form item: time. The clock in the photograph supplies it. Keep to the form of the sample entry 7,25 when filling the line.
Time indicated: 11,02
